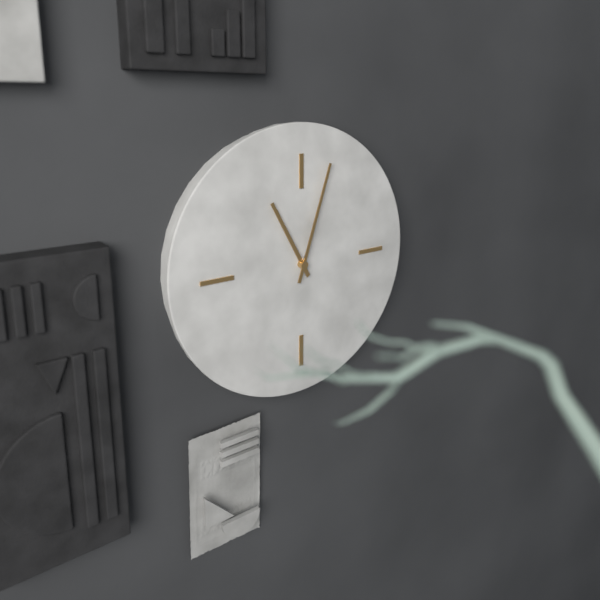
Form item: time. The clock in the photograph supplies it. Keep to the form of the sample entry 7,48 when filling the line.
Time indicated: 11,03
